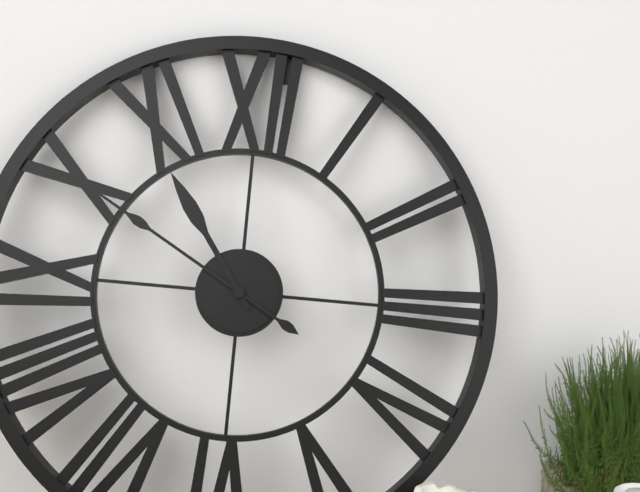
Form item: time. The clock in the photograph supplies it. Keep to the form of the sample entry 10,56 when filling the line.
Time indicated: 10,50
